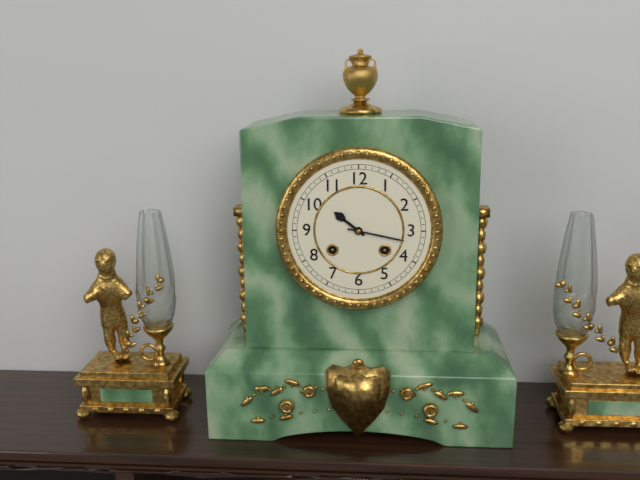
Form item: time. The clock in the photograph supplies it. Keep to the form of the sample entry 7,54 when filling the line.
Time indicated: 10,17
